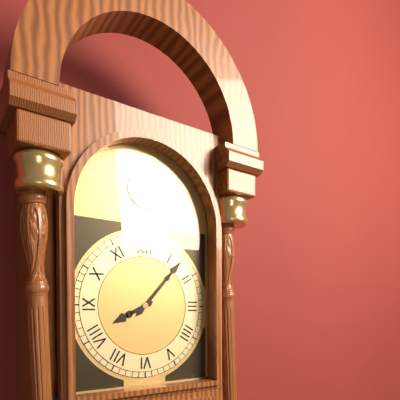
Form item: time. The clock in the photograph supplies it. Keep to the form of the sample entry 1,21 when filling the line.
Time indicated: 8,07
